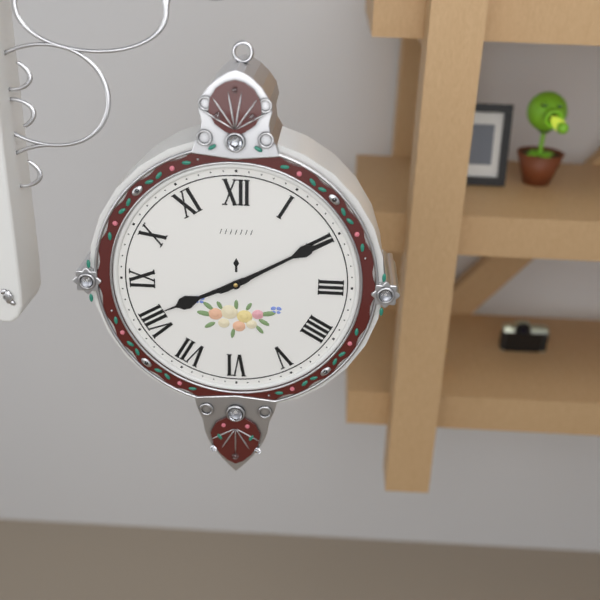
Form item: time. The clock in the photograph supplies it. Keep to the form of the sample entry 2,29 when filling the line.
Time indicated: 8,10
